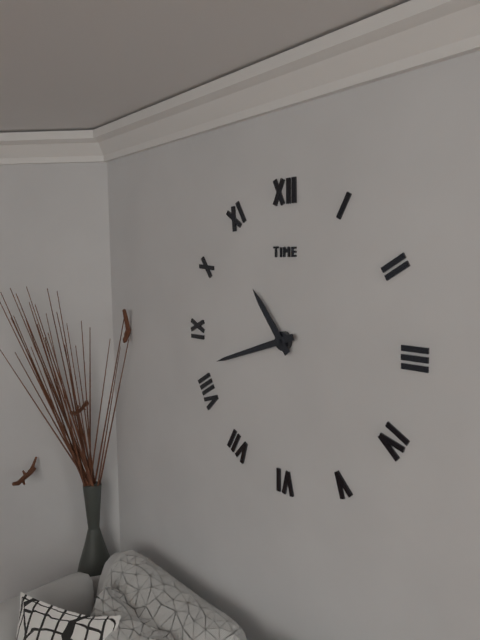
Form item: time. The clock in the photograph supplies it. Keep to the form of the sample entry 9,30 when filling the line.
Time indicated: 10,42
